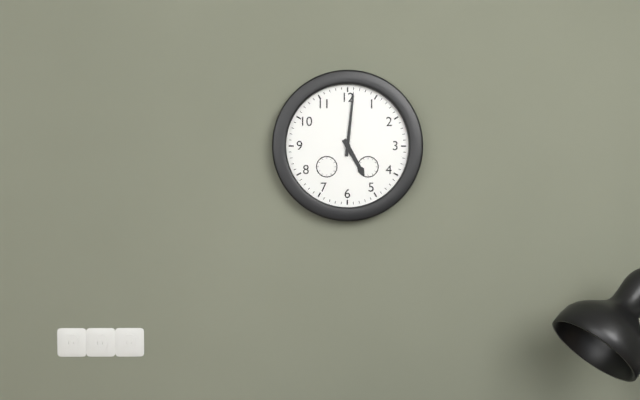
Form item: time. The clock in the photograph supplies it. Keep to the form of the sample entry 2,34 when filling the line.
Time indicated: 5,01
